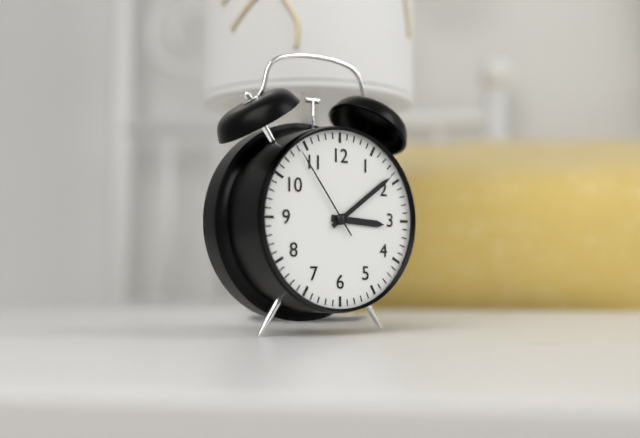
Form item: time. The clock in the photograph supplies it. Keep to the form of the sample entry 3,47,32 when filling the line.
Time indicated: 3,09,54
